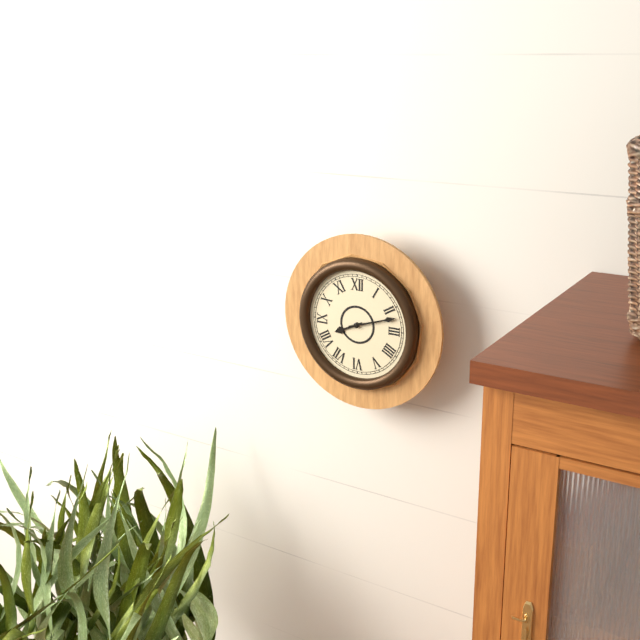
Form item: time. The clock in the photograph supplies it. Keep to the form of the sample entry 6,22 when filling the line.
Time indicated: 8,12
